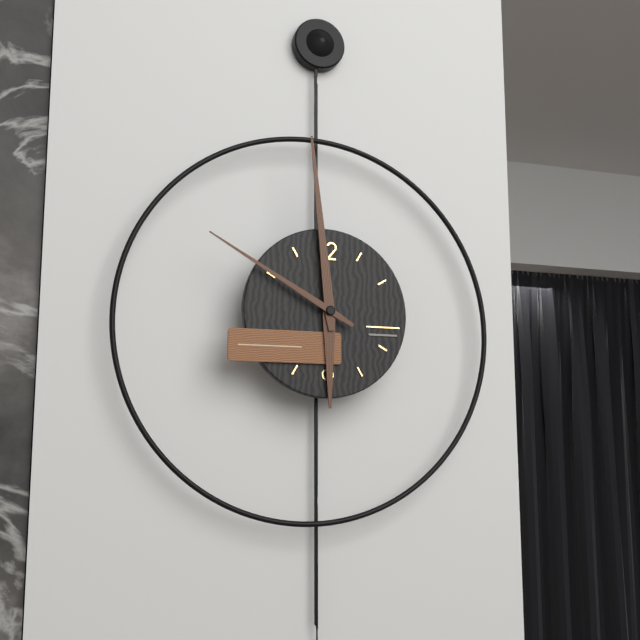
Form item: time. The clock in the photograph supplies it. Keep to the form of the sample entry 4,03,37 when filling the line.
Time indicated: 5,59,50
